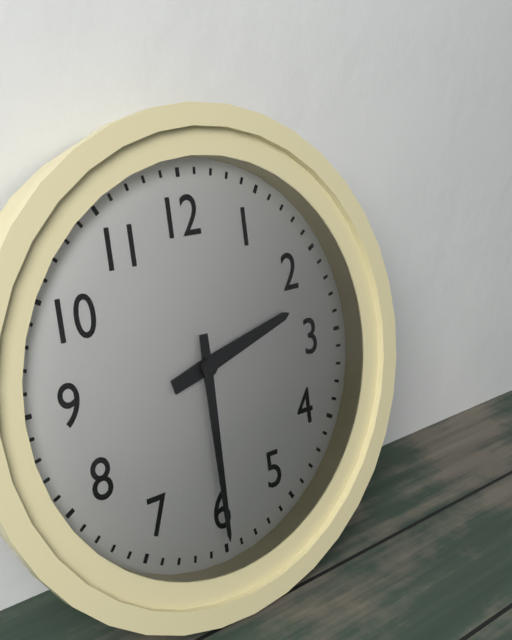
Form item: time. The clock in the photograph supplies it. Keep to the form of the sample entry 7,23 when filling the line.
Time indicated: 2,30
